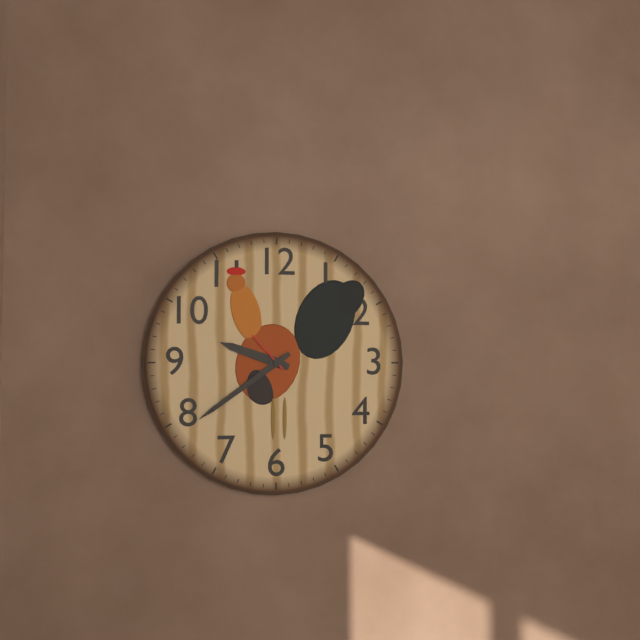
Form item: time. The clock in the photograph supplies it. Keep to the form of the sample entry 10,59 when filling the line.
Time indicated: 9,39
